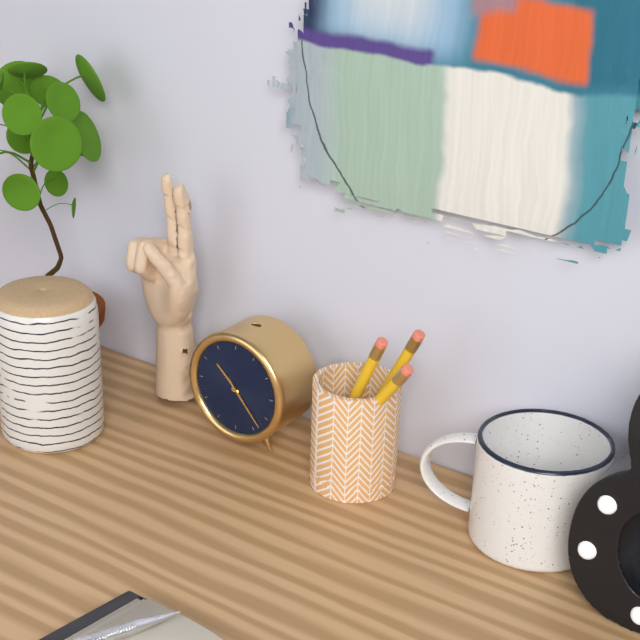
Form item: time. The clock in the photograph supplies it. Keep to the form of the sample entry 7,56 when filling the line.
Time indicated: 10,23
